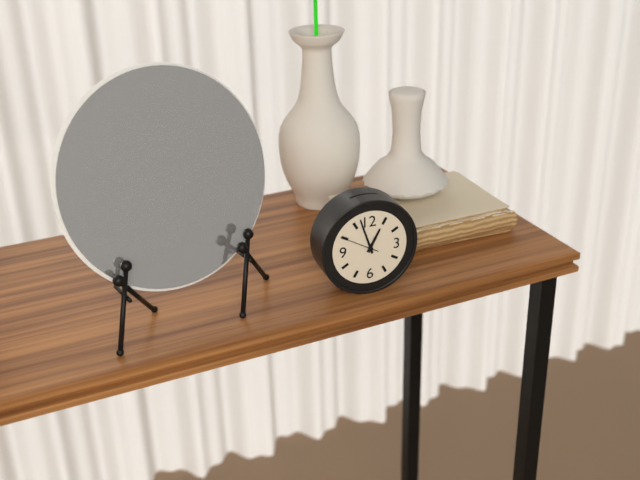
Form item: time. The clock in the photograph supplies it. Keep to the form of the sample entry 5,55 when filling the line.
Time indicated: 12,57
